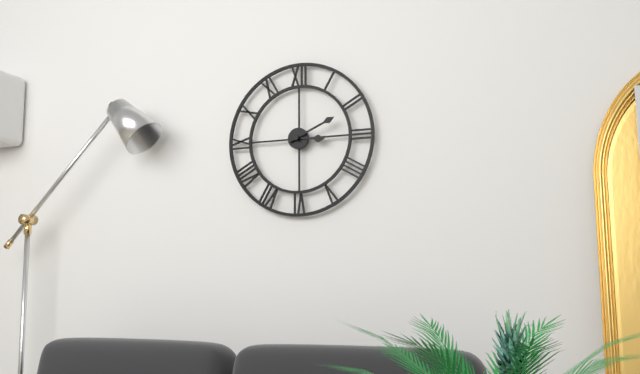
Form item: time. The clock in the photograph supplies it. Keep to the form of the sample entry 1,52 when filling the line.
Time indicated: 3,11
